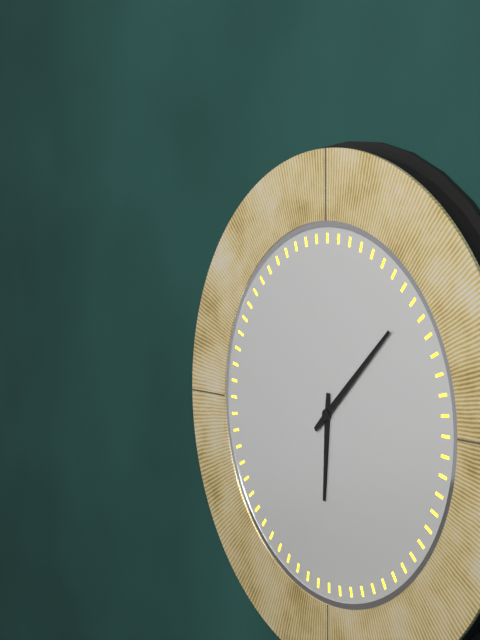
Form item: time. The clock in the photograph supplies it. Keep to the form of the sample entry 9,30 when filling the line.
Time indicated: 6,08
